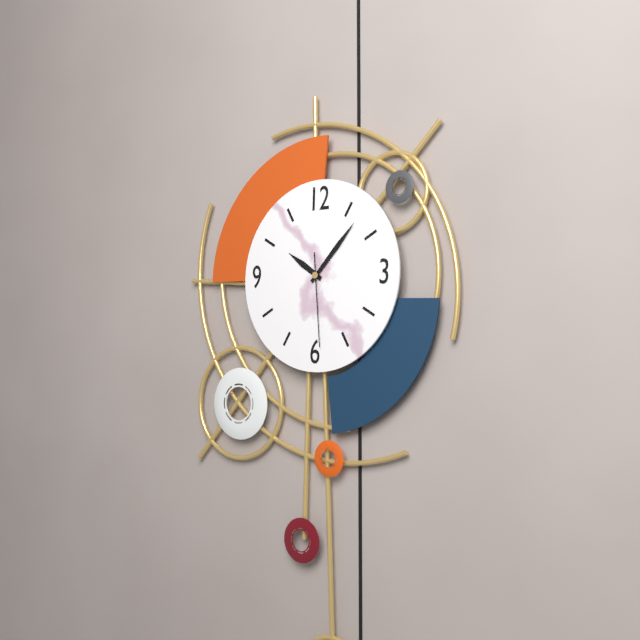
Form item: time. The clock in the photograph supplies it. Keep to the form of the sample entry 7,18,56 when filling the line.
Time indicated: 10,07,29
